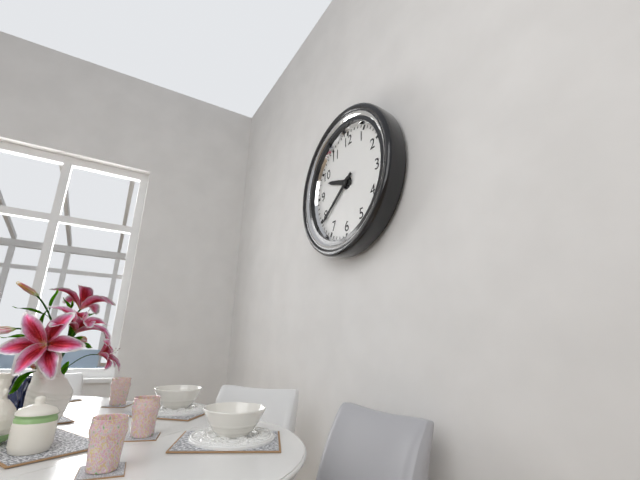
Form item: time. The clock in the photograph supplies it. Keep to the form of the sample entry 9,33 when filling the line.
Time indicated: 9,39
